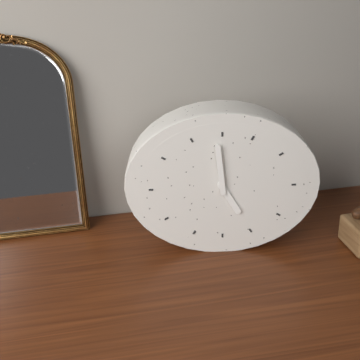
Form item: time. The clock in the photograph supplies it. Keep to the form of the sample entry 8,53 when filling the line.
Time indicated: 4,59
